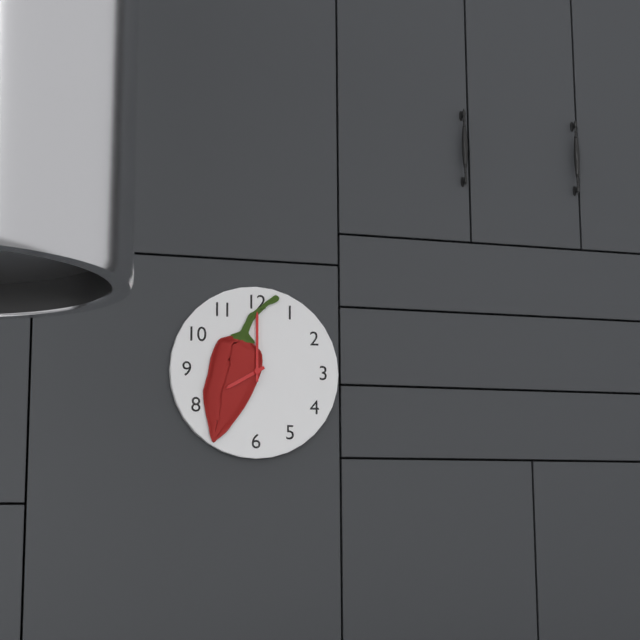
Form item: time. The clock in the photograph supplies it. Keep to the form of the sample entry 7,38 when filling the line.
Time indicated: 8,00
